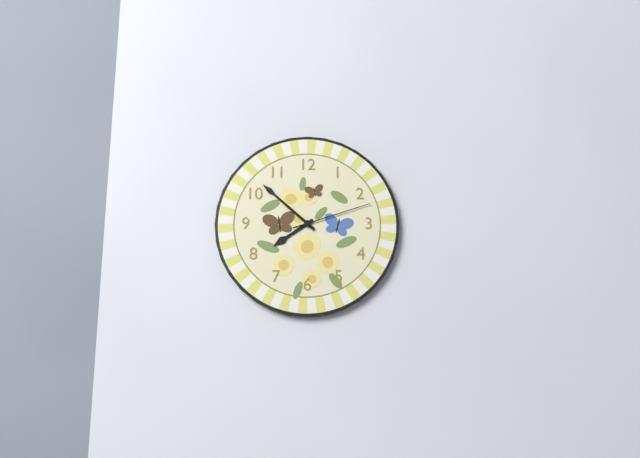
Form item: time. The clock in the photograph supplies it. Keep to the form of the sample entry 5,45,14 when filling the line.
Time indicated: 7,52,12
